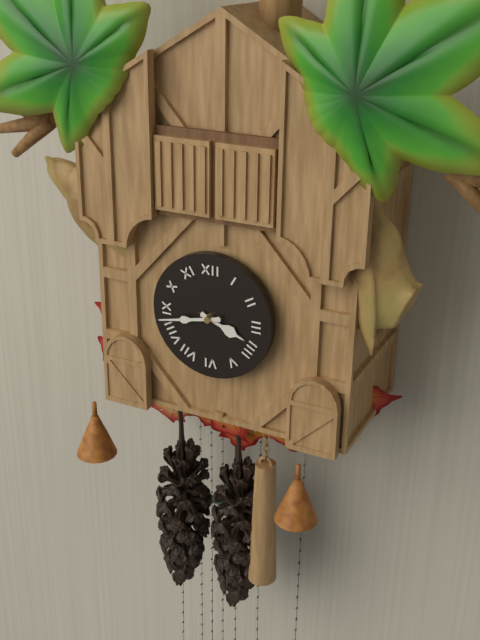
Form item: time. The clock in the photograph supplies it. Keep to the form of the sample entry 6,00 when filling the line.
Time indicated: 3,43
